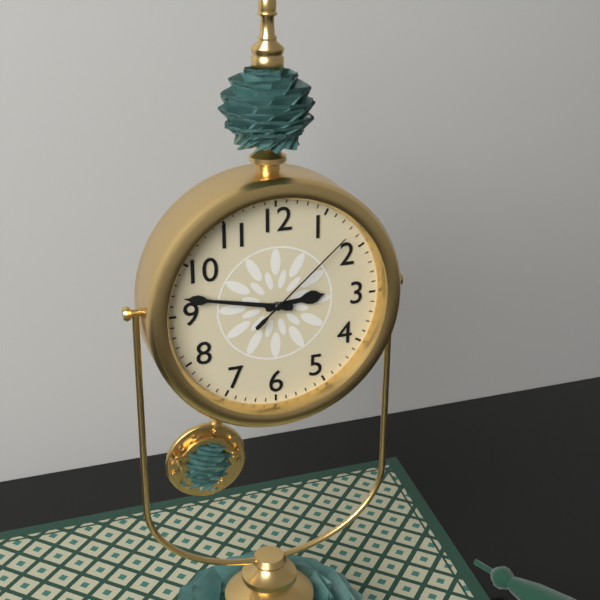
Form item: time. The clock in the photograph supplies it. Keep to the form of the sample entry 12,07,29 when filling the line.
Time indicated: 2,47,08
